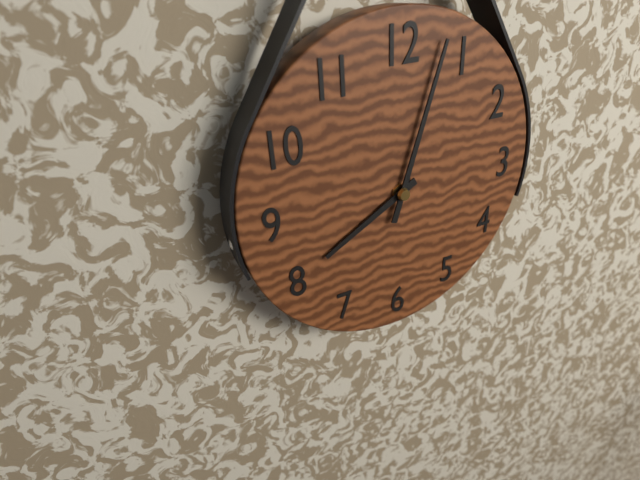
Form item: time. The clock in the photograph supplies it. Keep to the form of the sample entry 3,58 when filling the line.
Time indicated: 8,03
